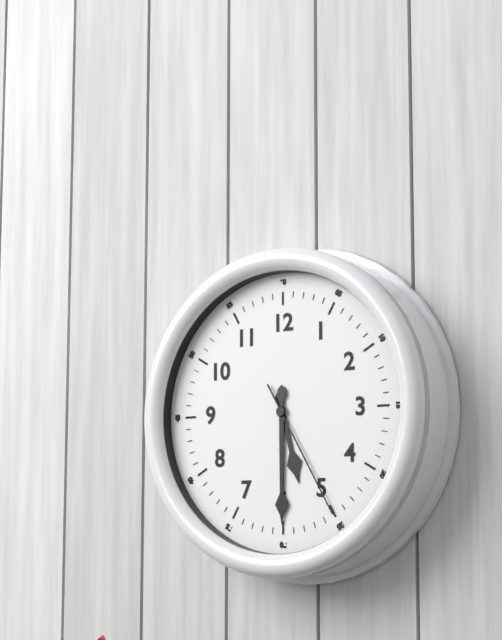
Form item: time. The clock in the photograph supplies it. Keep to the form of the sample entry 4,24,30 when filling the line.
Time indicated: 5,30,25
